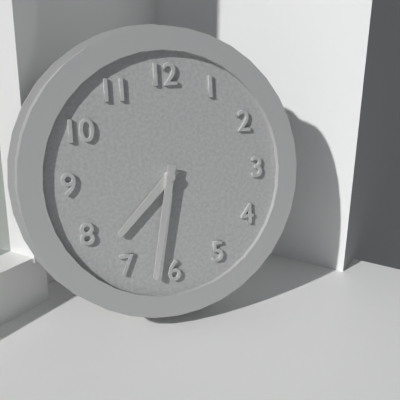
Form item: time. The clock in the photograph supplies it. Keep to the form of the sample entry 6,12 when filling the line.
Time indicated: 7,32
